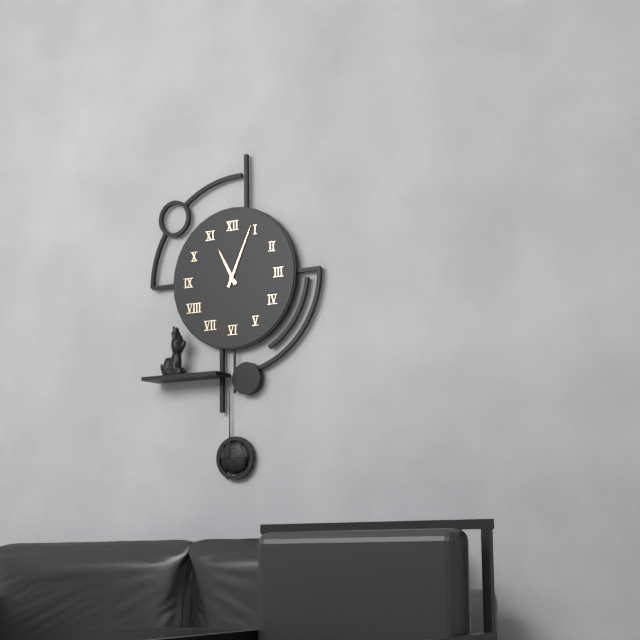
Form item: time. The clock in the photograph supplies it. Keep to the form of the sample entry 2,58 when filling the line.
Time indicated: 11,04
